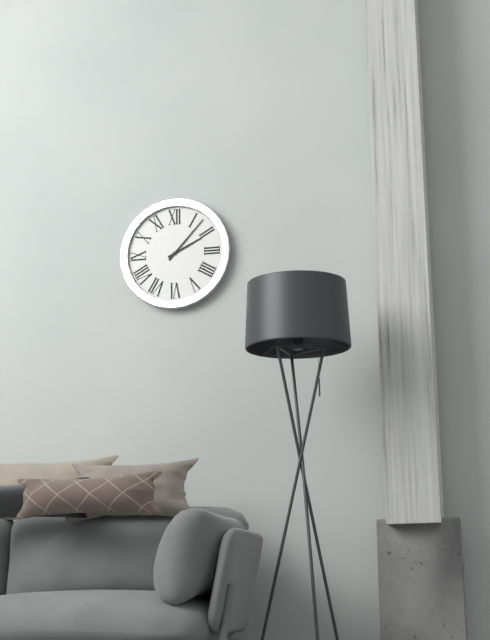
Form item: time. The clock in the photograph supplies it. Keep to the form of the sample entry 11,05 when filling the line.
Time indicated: 2,07
